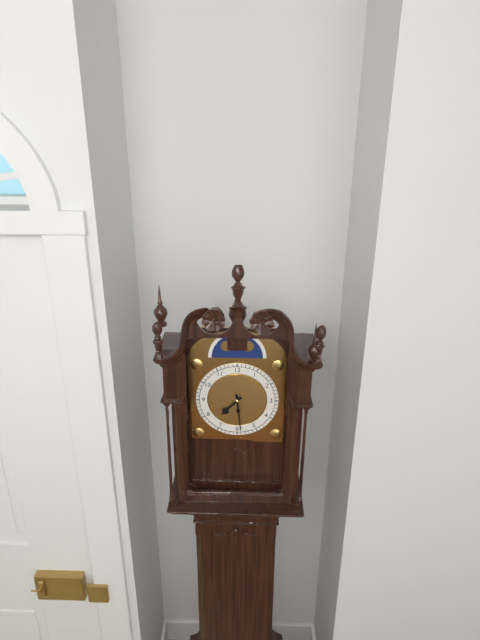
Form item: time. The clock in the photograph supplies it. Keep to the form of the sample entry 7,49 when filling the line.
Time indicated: 7,29
